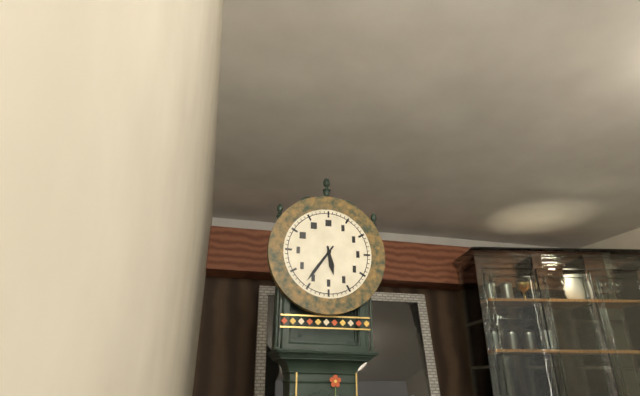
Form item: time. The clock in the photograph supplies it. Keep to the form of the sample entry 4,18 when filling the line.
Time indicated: 5,36
